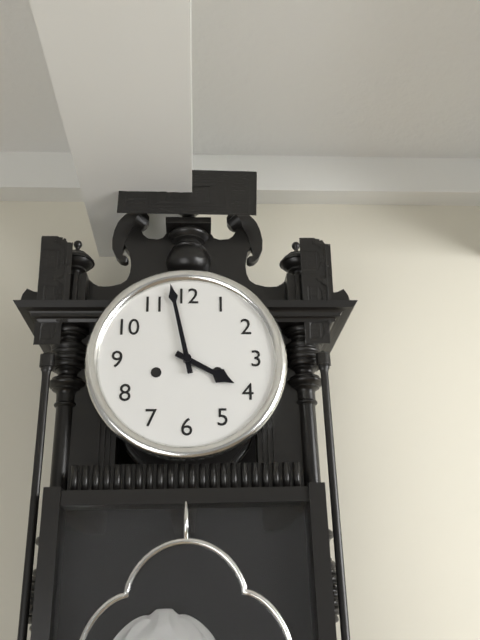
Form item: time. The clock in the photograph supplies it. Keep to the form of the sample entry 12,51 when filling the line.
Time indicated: 3,58
